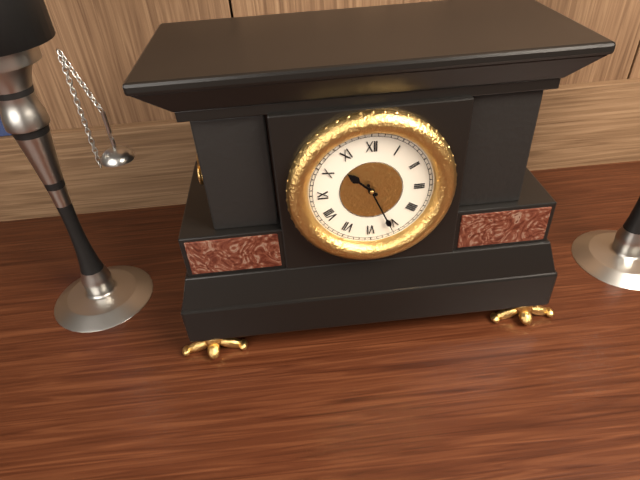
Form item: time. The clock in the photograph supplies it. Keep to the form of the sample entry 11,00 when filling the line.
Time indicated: 10,26
